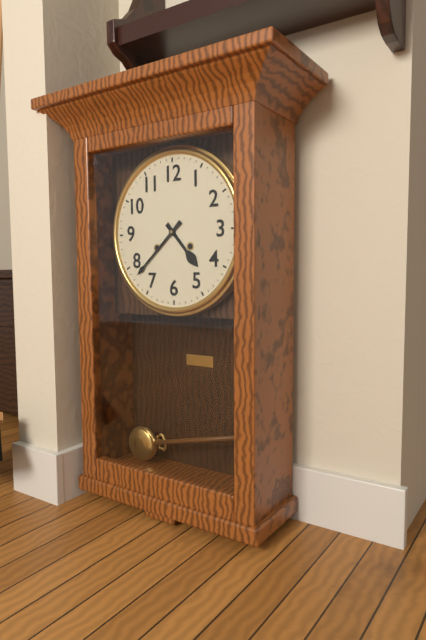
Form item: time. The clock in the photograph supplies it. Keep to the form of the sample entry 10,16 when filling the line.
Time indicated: 4,38
